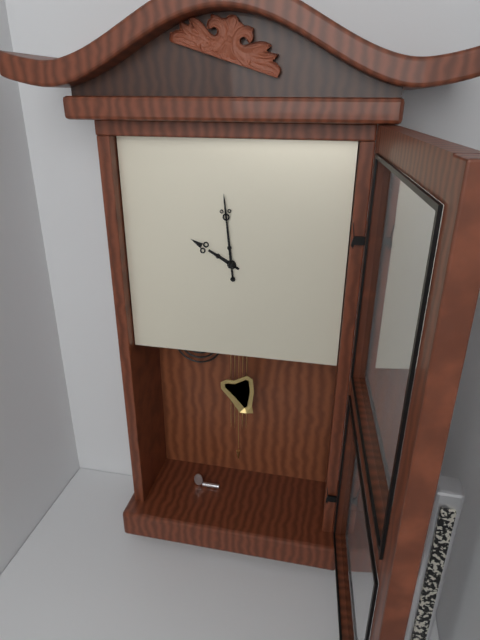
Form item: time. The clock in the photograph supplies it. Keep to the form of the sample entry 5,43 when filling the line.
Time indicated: 9,59
